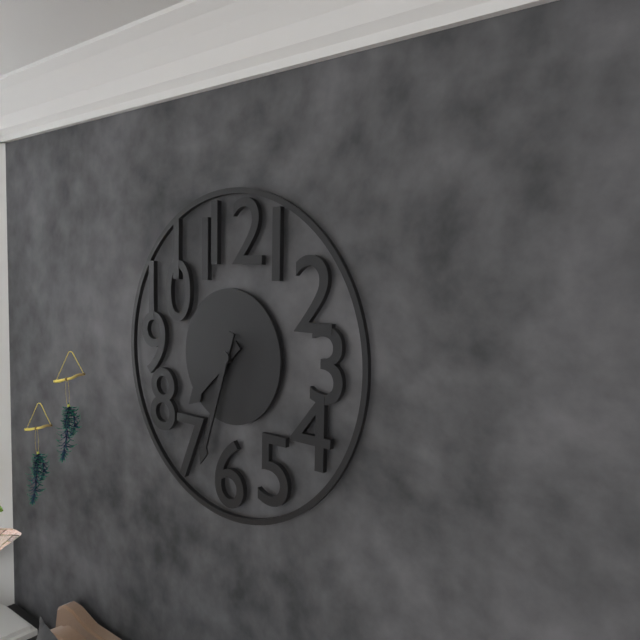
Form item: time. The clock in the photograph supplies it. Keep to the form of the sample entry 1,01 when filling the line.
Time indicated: 7,33
